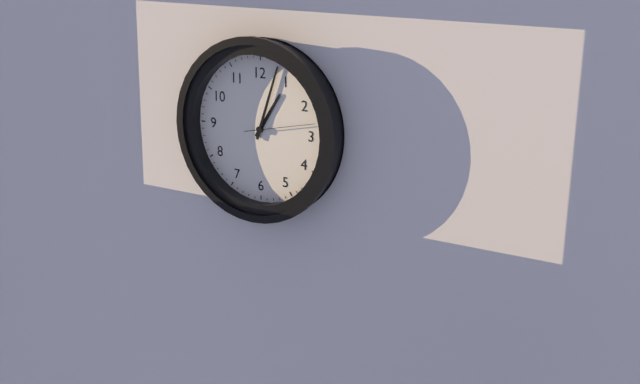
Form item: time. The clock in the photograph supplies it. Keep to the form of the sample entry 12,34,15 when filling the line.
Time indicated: 1,03,13
